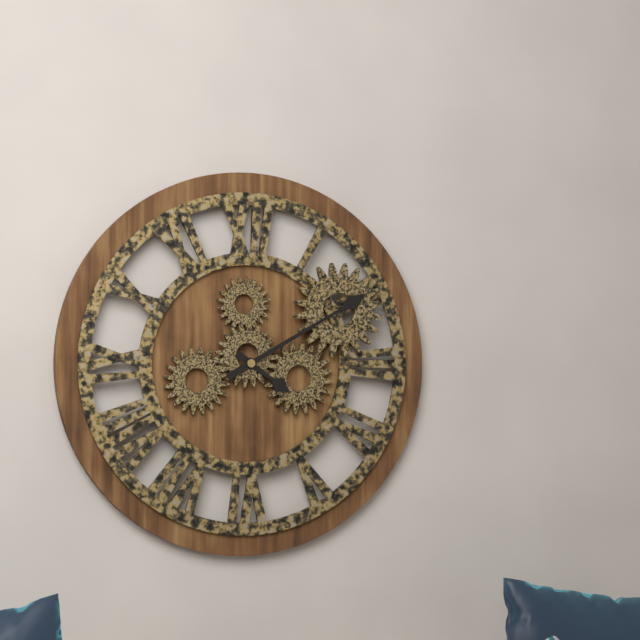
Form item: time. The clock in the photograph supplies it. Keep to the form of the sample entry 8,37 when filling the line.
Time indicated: 4,10
